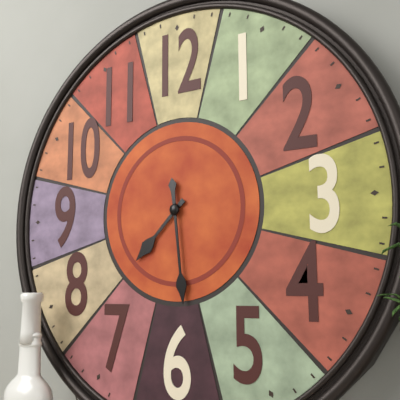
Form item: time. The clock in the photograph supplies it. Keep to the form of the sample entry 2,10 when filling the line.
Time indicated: 7,29
